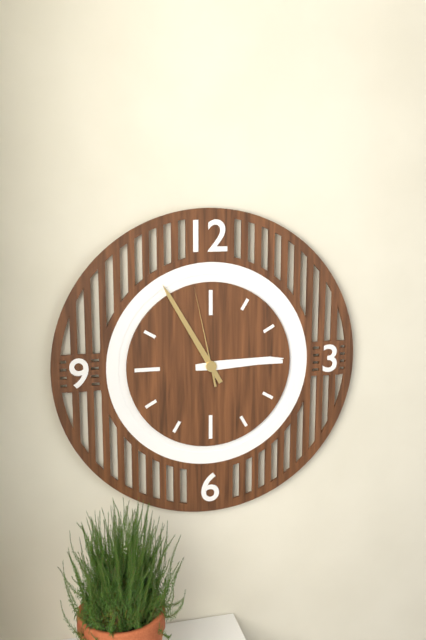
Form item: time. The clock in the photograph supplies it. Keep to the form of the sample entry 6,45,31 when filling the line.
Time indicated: 2,55,58
